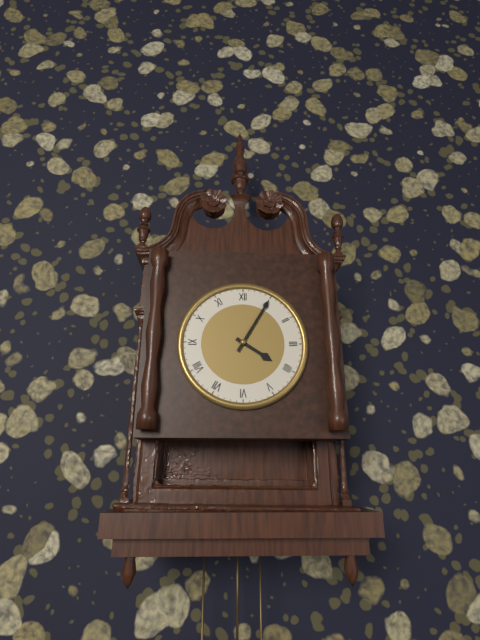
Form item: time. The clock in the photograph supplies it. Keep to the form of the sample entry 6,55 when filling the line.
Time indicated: 4,05
